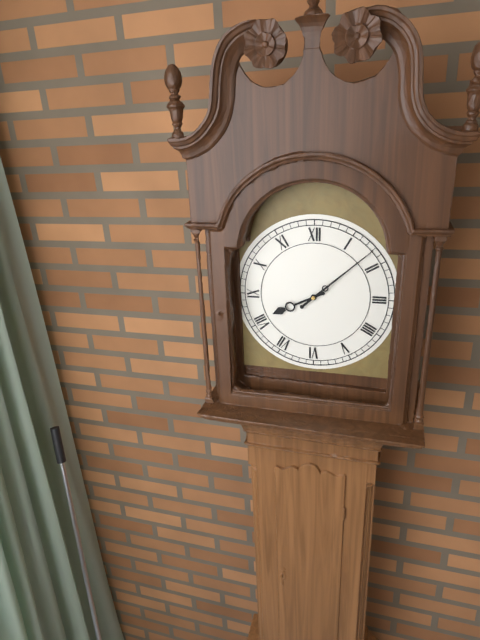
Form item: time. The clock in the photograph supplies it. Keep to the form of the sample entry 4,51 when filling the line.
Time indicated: 8,08
